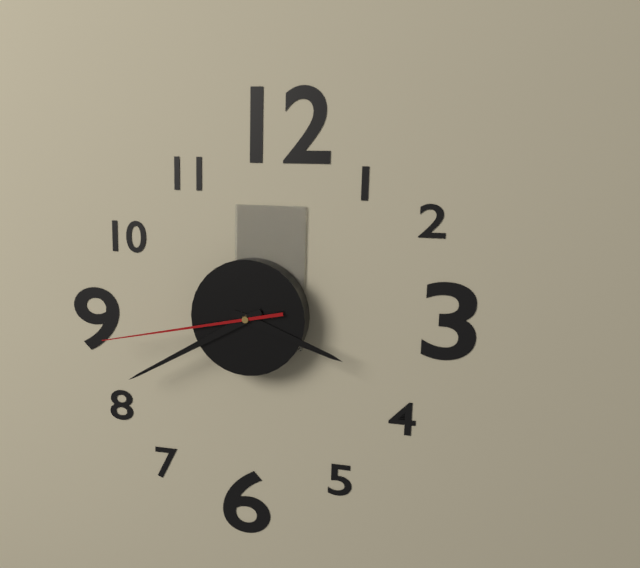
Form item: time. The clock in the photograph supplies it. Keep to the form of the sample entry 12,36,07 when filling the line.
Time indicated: 3,40,43
